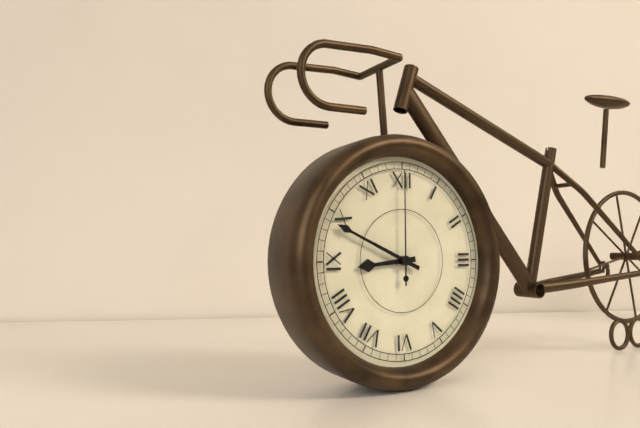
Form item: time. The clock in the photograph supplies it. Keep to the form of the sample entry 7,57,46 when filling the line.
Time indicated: 8,49,00
